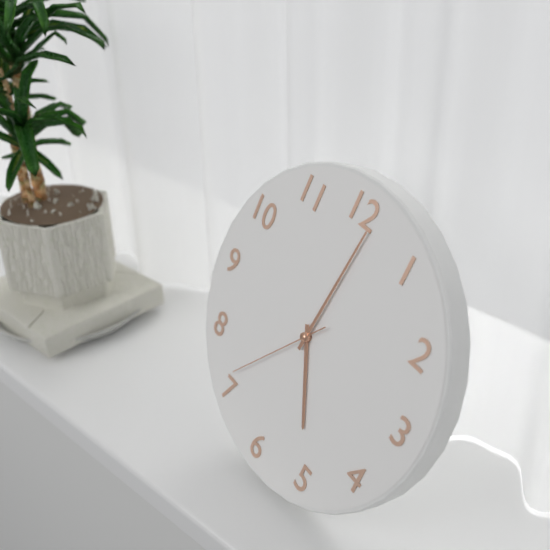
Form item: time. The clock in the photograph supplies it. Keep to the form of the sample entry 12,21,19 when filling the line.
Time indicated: 5,01,36
